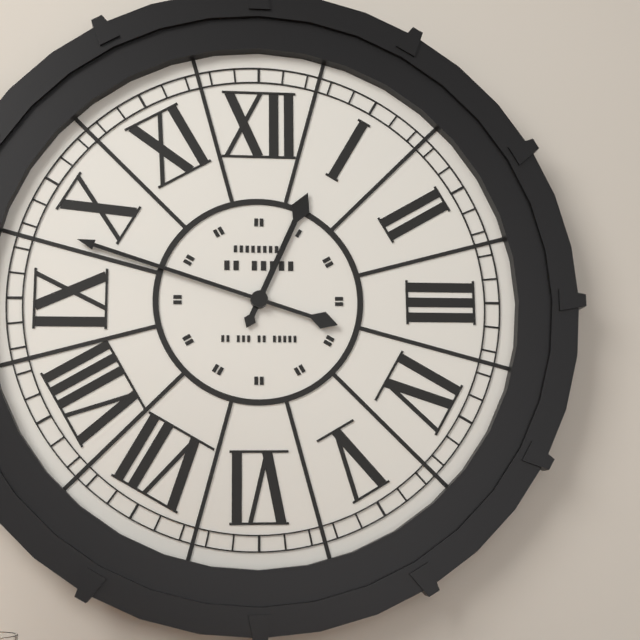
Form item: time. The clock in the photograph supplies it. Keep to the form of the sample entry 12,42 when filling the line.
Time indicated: 12,48
